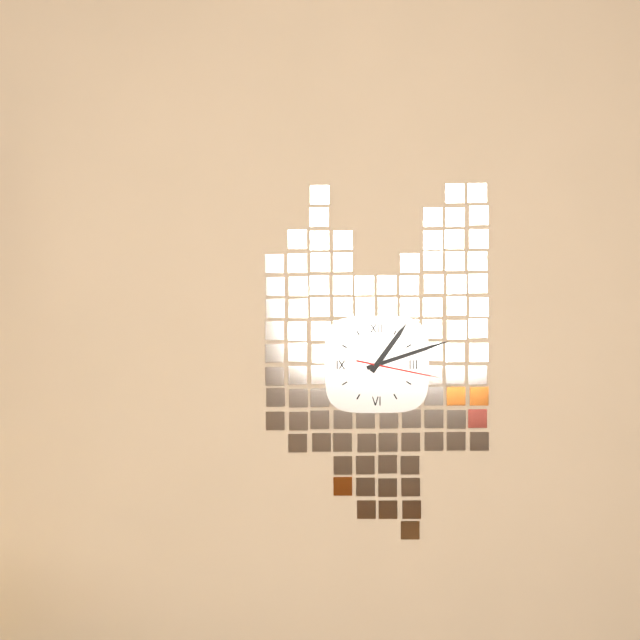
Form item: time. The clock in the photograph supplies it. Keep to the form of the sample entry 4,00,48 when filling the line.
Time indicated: 1,12,17
